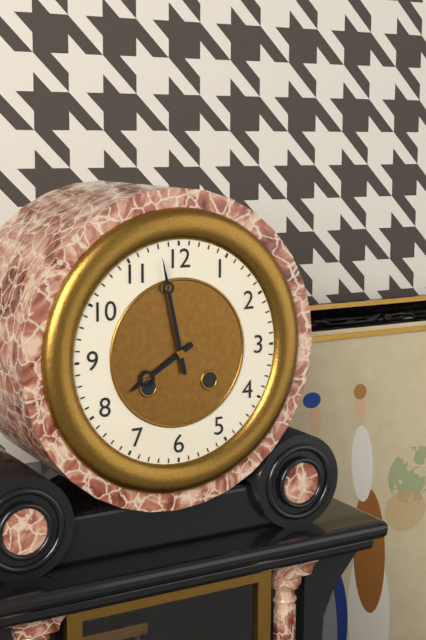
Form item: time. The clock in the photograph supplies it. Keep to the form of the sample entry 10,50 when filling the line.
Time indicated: 7,58
